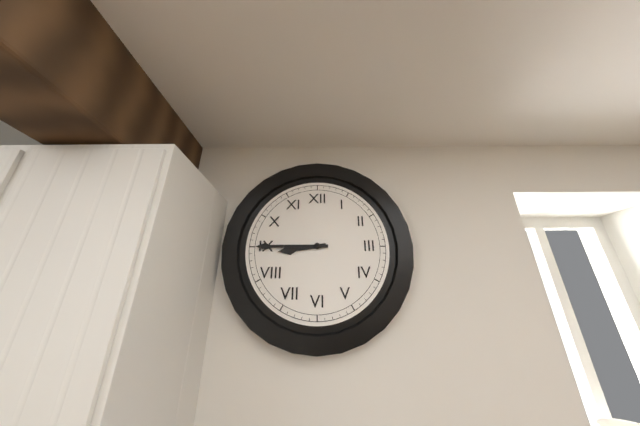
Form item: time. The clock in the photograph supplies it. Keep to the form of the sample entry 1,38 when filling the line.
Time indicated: 8,45
